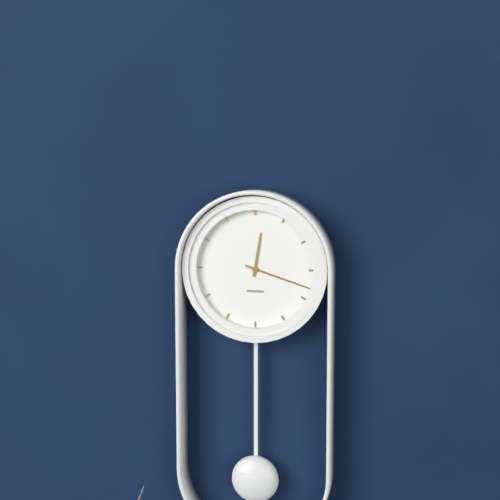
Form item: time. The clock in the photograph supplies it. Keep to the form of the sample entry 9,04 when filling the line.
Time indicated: 12,18
